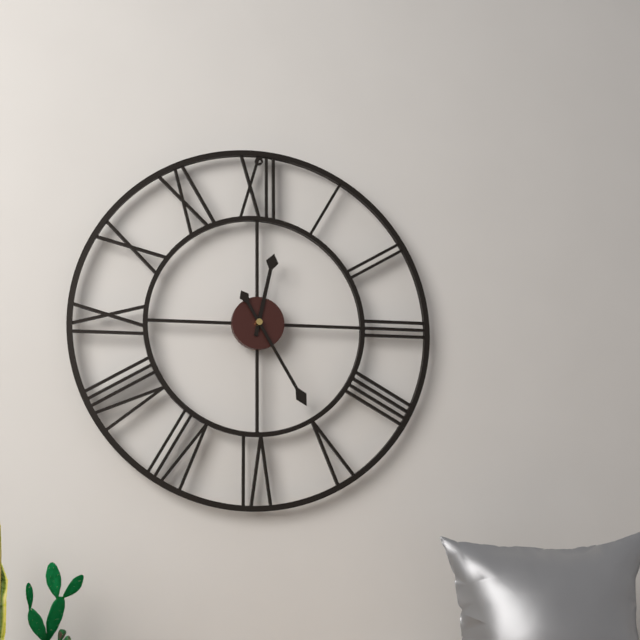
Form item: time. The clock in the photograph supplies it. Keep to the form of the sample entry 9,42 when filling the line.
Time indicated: 12,25
